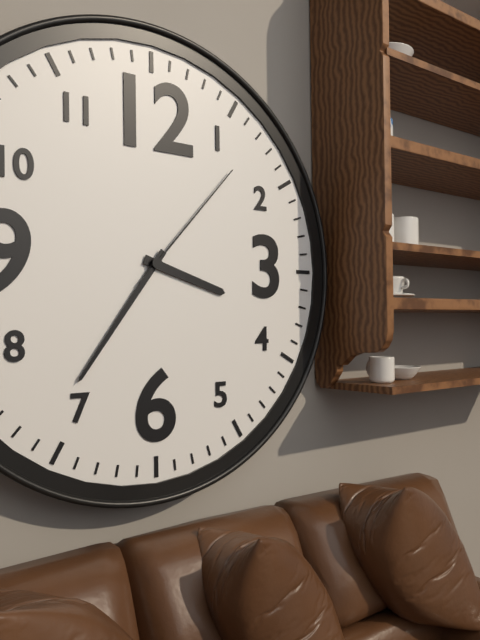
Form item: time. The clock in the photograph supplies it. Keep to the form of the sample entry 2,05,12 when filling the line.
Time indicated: 3,36,07
